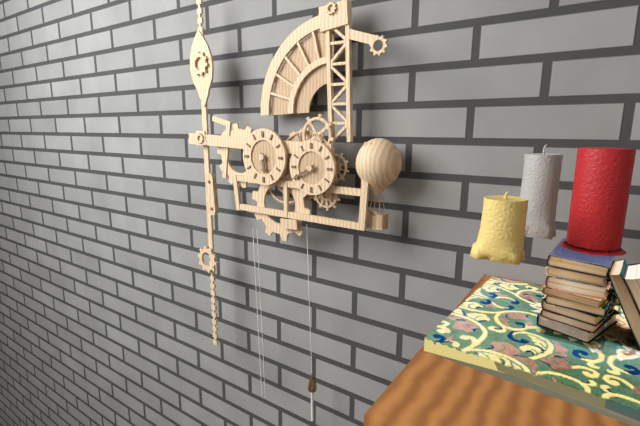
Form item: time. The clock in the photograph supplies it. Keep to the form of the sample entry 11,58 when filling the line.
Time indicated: 5,40
